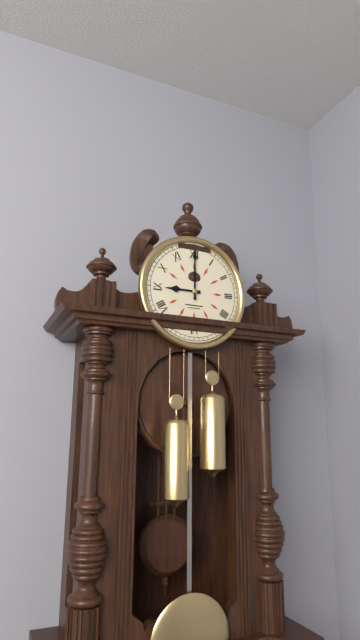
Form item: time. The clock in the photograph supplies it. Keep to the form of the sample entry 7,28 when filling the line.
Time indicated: 9,00
